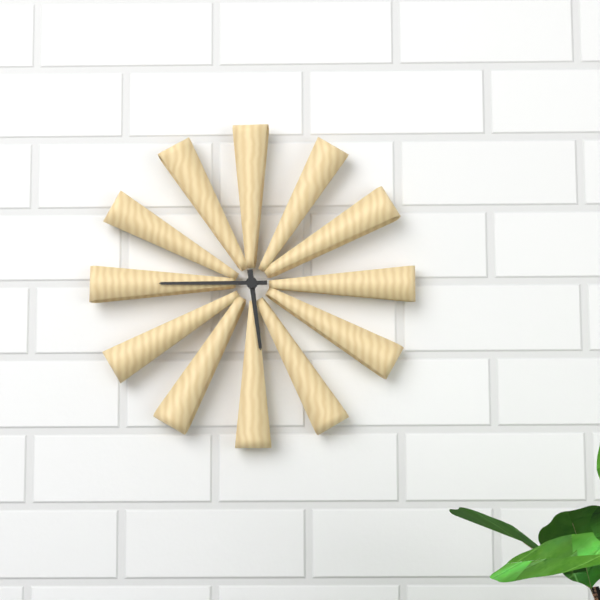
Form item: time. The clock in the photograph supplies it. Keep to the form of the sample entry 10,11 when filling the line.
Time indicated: 5,45
